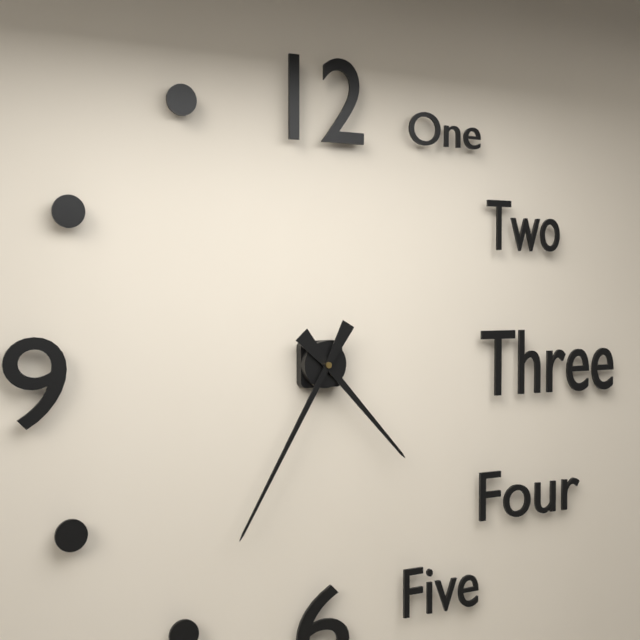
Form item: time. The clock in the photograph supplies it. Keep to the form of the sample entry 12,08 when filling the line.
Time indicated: 4,35
